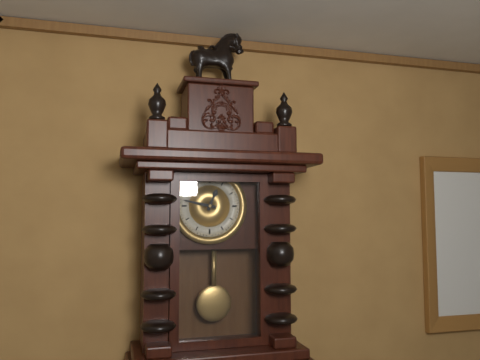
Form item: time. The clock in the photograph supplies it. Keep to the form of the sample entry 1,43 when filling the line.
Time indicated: 12,47
